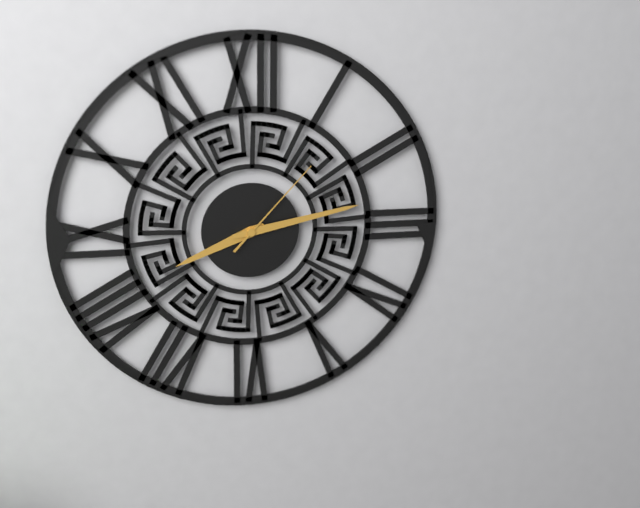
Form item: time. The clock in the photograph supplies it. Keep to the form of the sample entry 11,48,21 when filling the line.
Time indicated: 8,13,07
